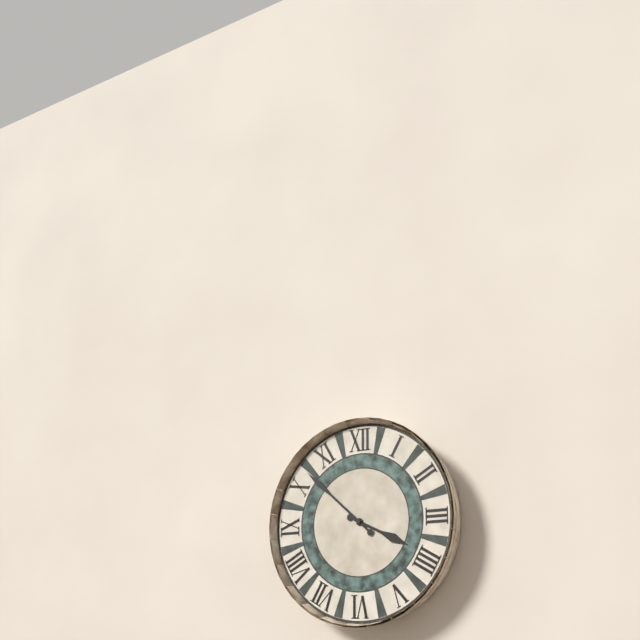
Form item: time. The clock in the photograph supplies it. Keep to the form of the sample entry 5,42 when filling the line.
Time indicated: 3,52
